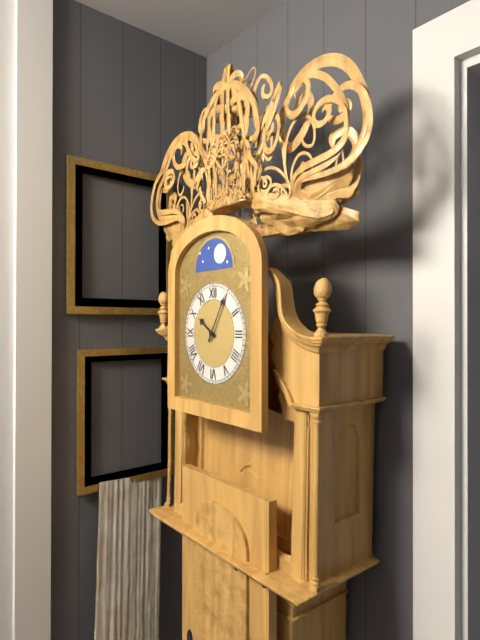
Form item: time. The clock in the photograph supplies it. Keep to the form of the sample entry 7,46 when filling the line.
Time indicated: 10,05
